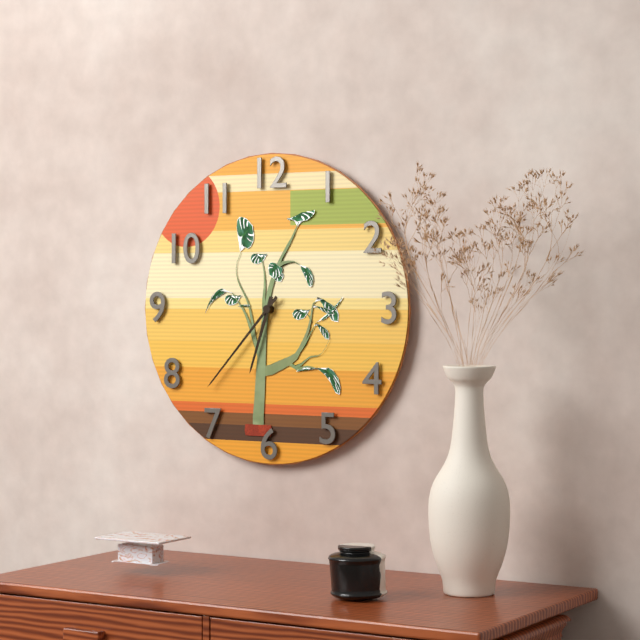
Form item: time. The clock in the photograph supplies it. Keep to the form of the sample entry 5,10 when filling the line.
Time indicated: 6,37
